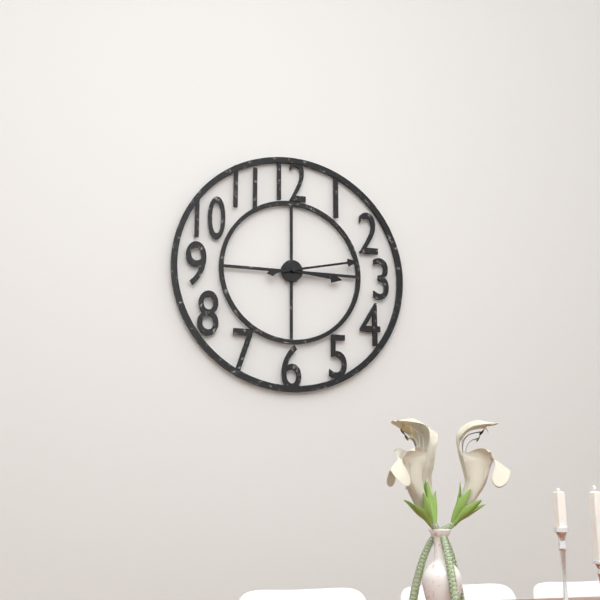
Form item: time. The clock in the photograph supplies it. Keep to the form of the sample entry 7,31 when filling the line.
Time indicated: 3,13
